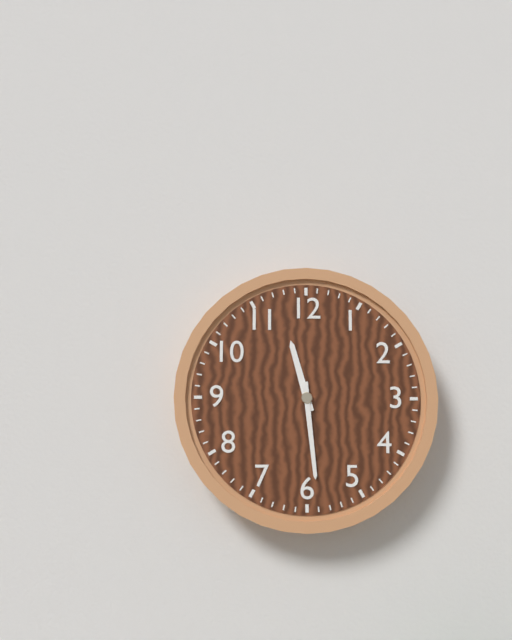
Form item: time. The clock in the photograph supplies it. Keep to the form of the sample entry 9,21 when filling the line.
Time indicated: 11,29
